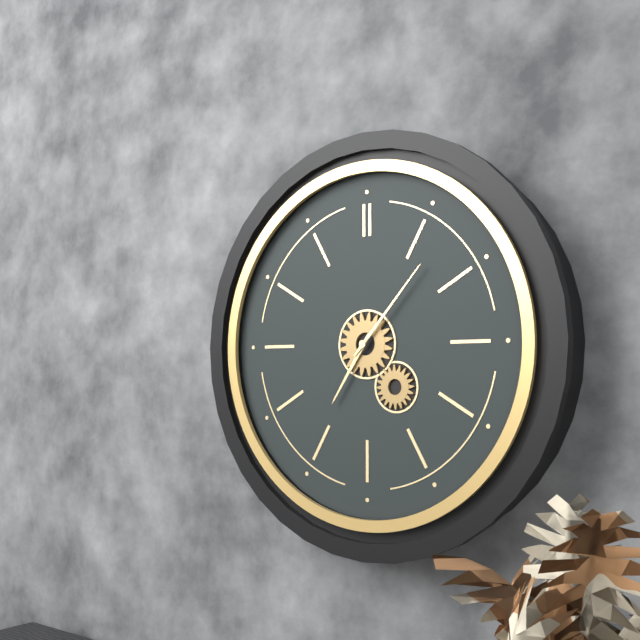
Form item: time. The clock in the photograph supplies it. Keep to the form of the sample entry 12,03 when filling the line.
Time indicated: 7,07
